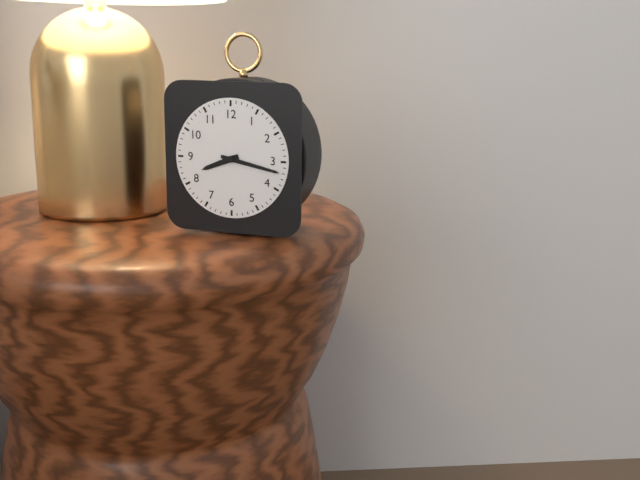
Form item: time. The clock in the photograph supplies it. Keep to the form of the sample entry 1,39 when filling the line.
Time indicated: 8,17
